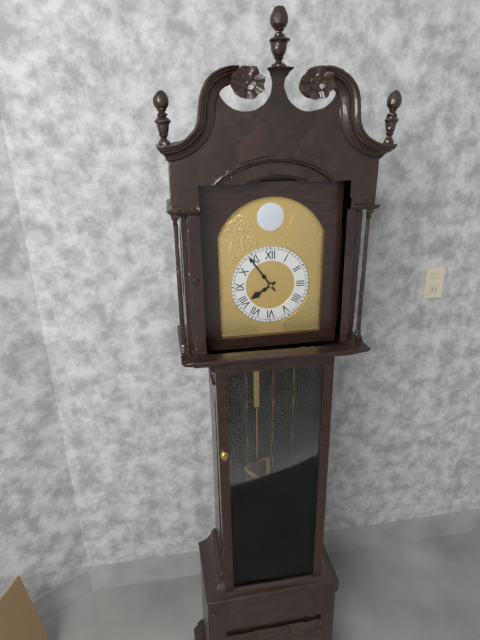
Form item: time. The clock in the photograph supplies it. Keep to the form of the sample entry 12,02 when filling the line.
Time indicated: 7,54
